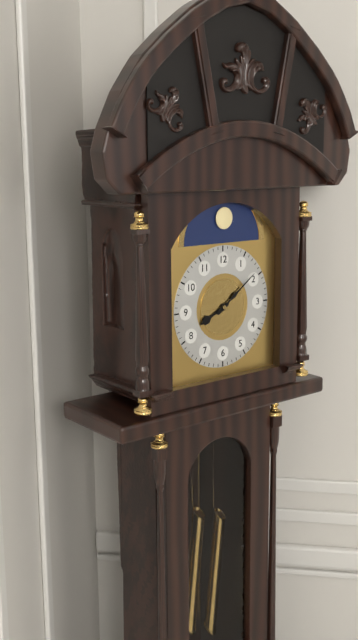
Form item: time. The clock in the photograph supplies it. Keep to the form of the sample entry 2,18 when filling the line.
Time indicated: 8,09
